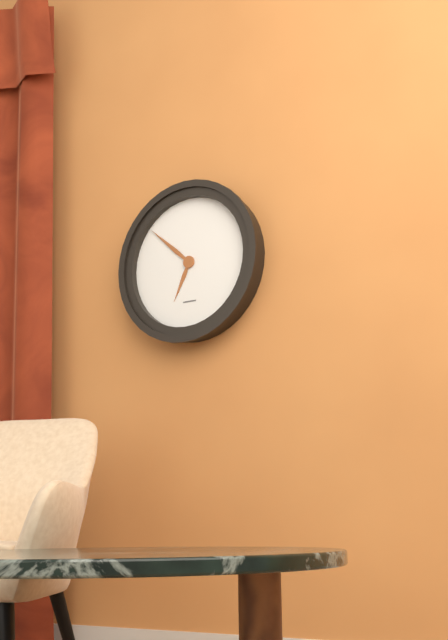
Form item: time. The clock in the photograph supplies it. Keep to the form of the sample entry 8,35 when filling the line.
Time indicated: 6,52
